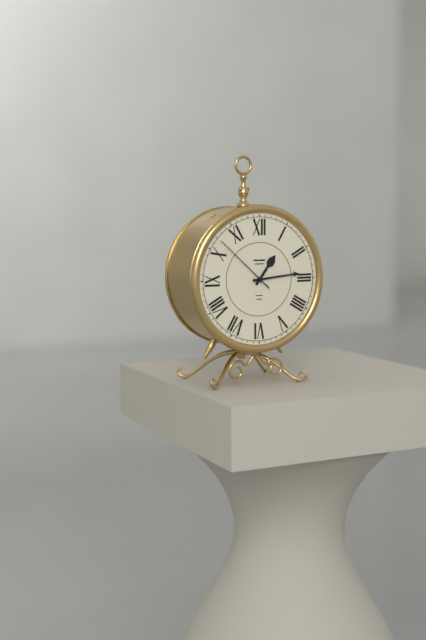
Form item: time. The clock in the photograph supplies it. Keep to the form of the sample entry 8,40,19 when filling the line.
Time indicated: 1,14,52
